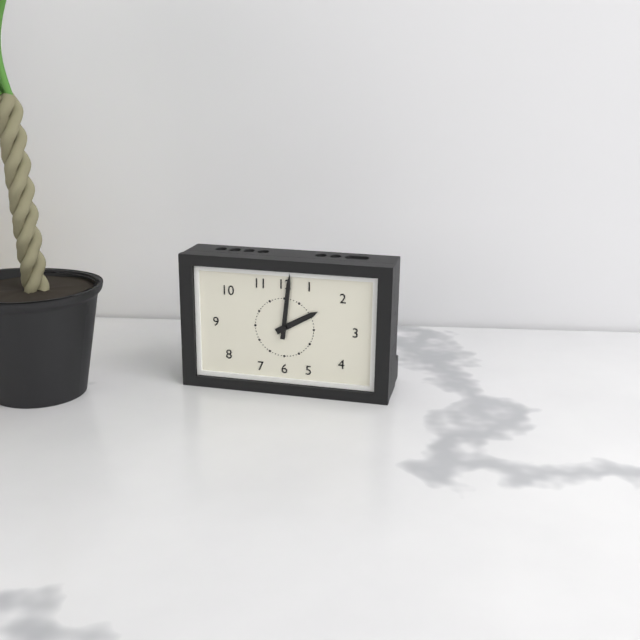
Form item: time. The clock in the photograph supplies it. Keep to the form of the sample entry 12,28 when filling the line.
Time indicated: 2,01
